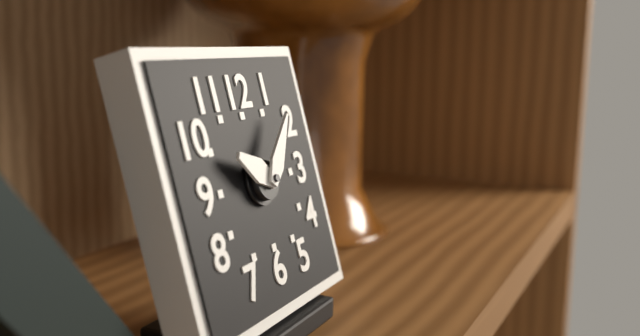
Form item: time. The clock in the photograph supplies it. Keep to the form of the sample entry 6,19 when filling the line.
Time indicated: 10,07
